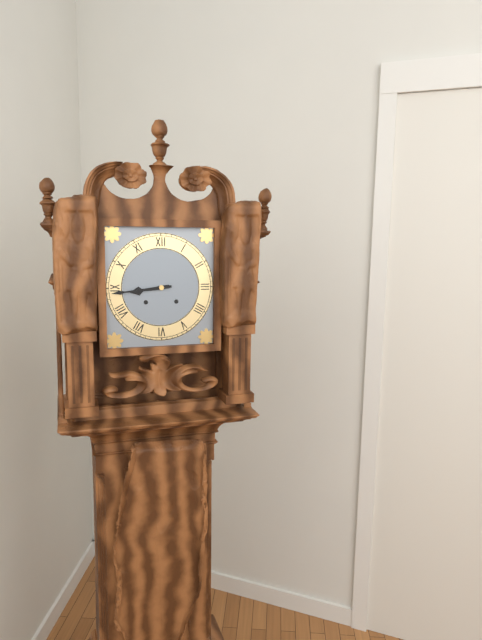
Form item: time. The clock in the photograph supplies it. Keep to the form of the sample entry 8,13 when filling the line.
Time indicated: 8,44
